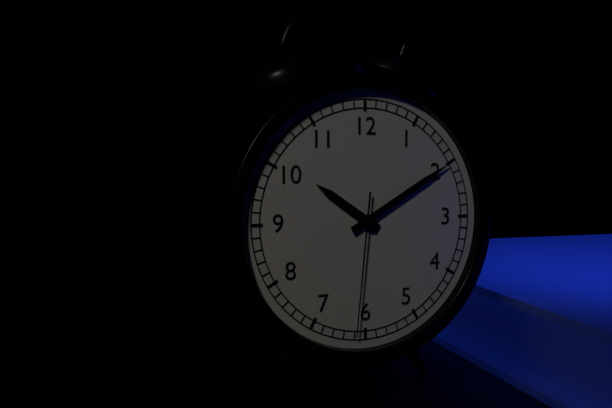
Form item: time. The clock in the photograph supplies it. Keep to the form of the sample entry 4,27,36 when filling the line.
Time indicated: 10,10,31
